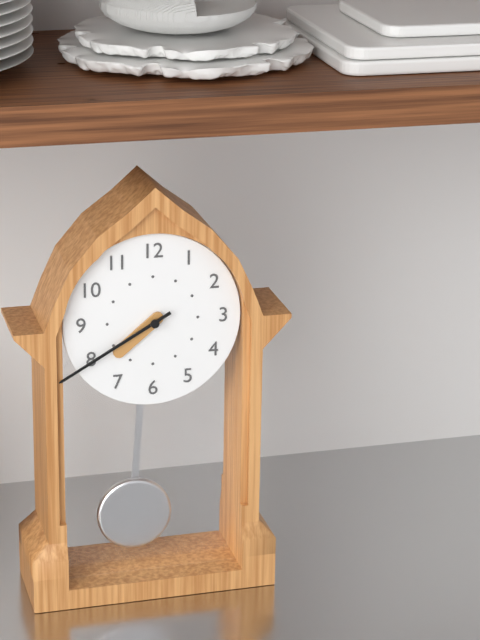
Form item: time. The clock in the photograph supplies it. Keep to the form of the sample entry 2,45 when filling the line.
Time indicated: 7,40
